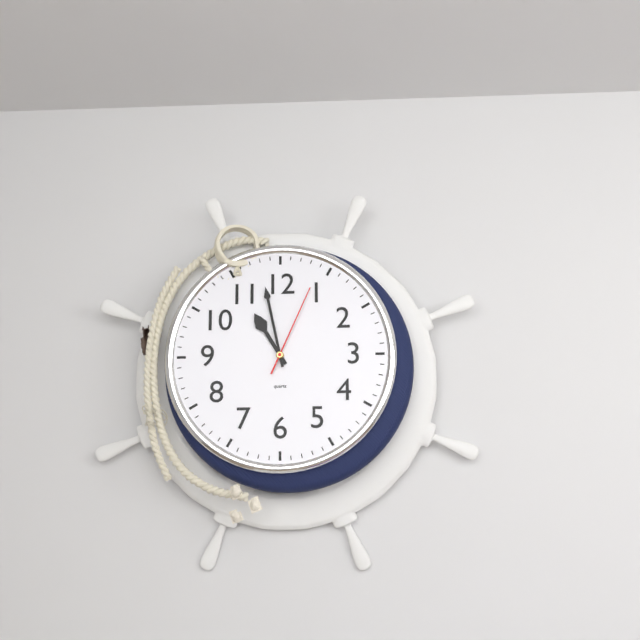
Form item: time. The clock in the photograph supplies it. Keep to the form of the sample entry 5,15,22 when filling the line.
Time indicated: 10,58,04
